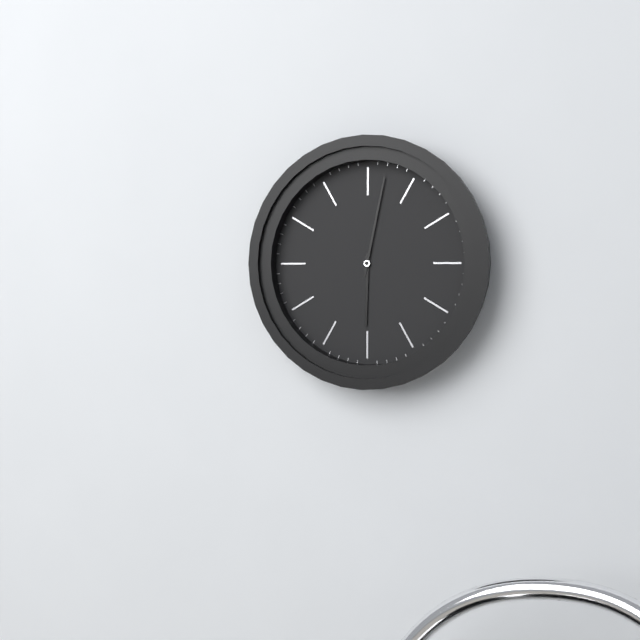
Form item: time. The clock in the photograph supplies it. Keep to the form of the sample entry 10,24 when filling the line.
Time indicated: 6,02
